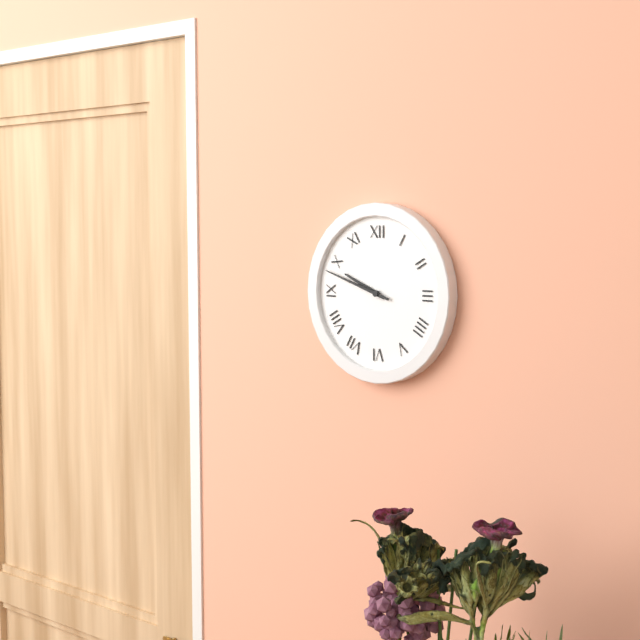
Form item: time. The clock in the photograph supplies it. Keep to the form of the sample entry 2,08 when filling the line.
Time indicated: 9,48
